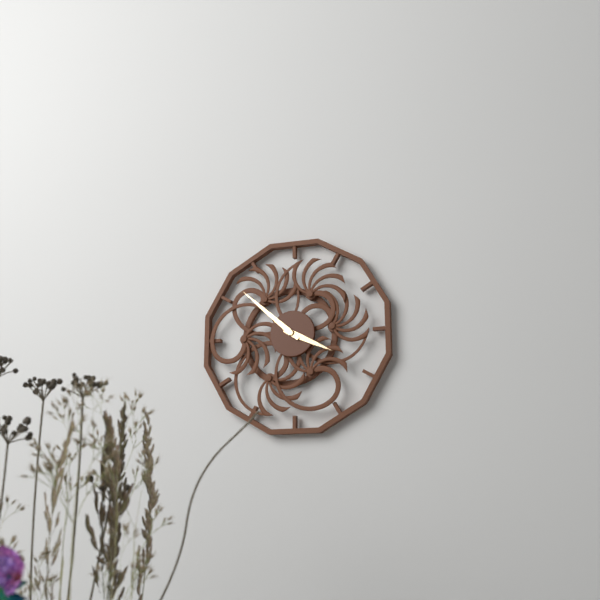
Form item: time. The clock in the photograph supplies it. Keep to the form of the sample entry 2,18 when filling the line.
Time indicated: 3,52
